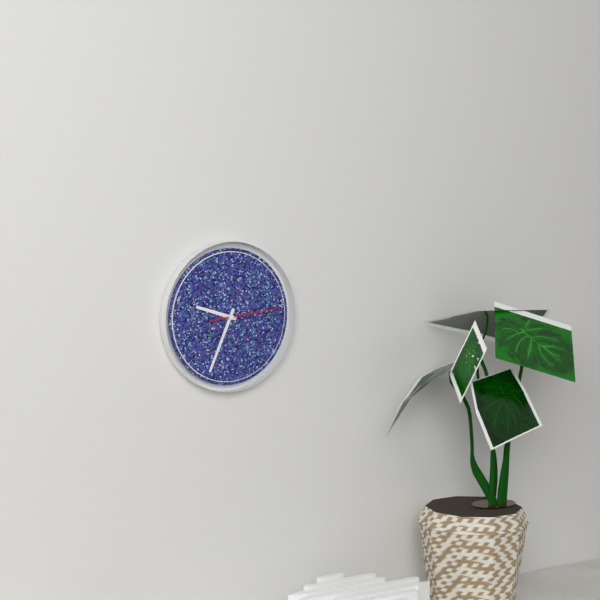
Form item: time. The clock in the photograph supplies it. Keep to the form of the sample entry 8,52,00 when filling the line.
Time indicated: 9,34,14
